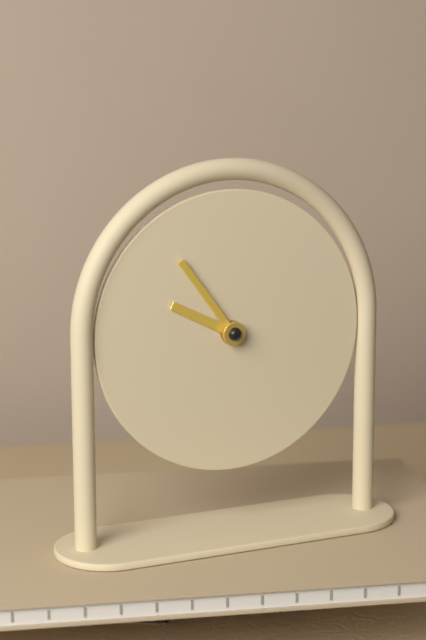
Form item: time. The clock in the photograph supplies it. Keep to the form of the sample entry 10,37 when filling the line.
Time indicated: 9,54
